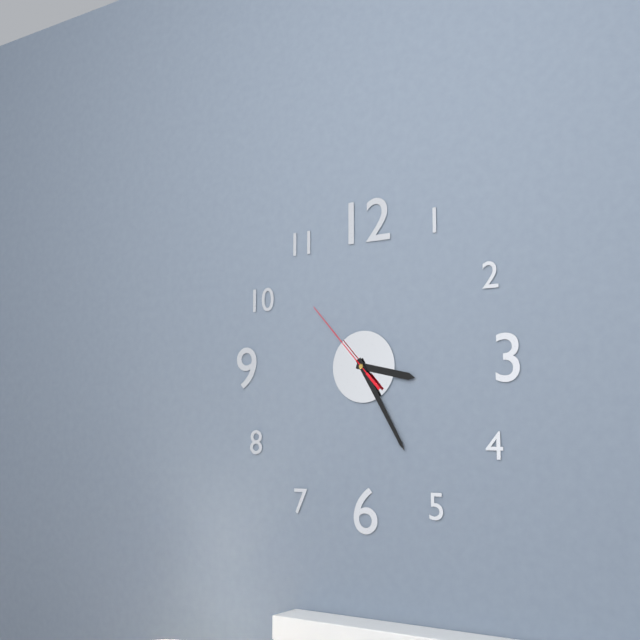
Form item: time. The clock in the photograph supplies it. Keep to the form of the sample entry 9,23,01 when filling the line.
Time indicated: 3,25,53
